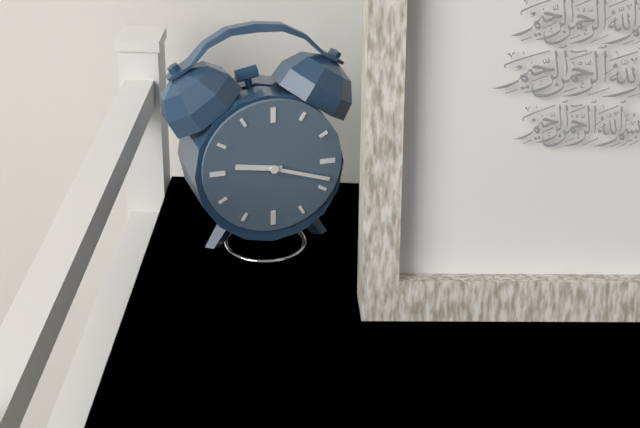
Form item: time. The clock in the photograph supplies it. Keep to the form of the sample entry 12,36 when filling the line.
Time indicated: 9,18
